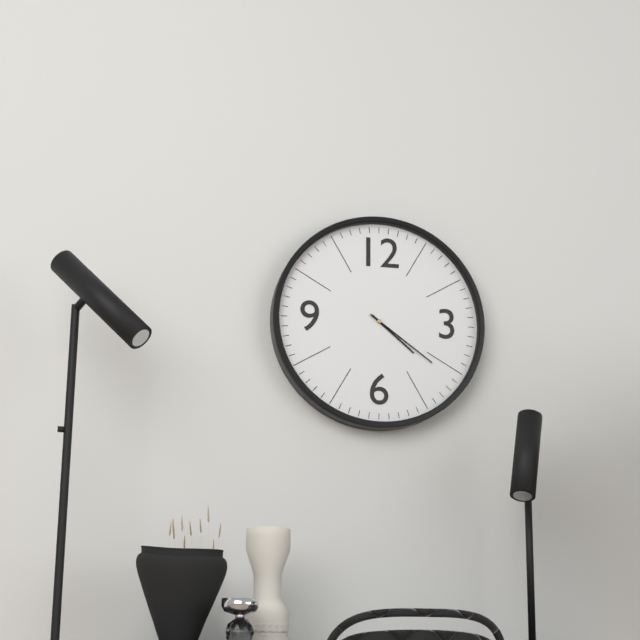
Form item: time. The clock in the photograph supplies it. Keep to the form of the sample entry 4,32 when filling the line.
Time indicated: 4,21
